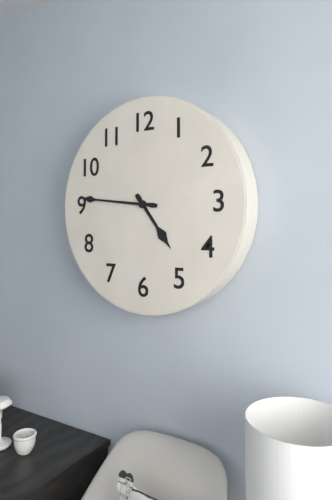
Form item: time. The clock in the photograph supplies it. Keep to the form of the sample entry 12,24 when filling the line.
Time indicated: 4,46
